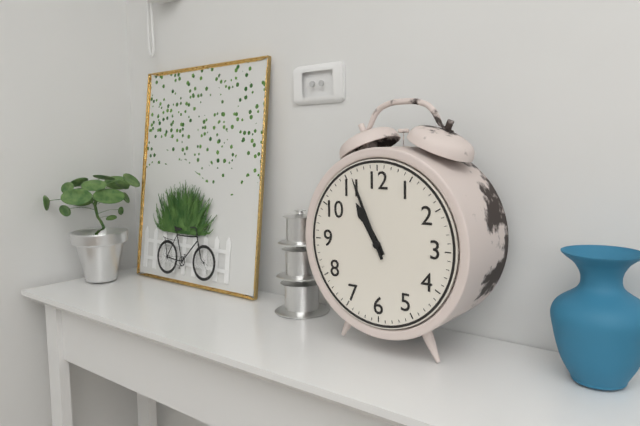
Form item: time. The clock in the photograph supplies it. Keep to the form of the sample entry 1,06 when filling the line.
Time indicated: 10,56
